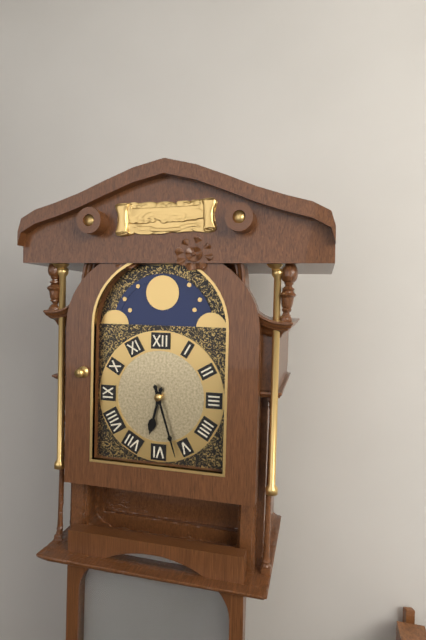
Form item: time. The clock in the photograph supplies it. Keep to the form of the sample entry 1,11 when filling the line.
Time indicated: 6,27
